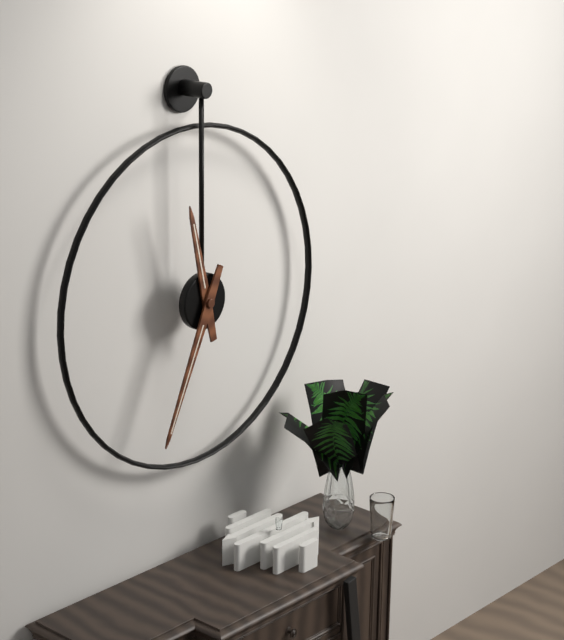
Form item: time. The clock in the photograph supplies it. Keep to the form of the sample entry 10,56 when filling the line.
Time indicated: 11,34
